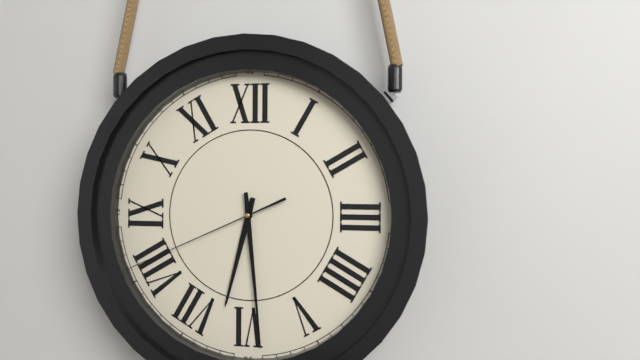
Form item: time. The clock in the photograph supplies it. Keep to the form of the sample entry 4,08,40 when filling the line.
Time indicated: 6,29,41
